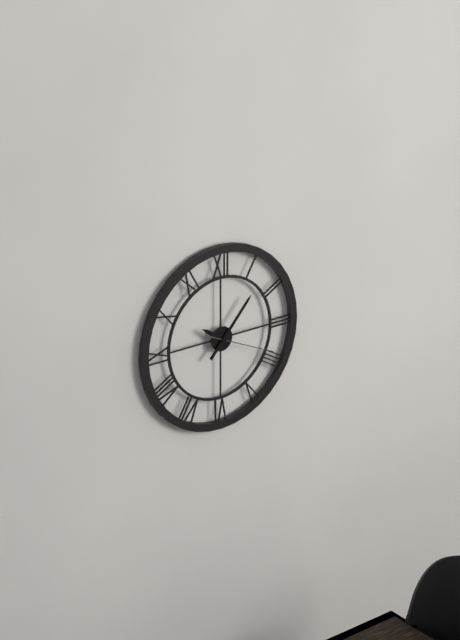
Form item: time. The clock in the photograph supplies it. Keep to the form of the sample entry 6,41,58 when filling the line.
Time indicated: 10,07,19
